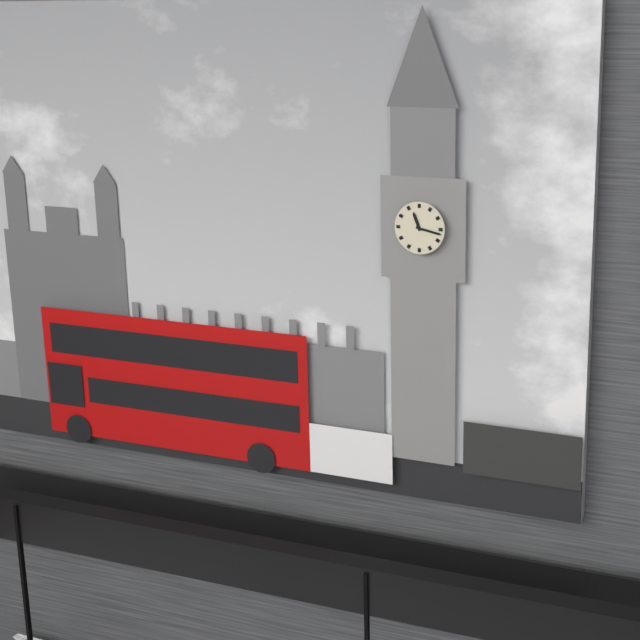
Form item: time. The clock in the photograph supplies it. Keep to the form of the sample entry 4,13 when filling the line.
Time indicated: 11,17
